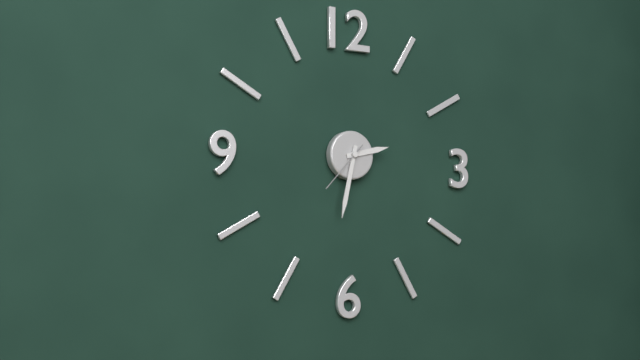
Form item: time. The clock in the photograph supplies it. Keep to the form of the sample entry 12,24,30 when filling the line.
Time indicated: 2,32,37
